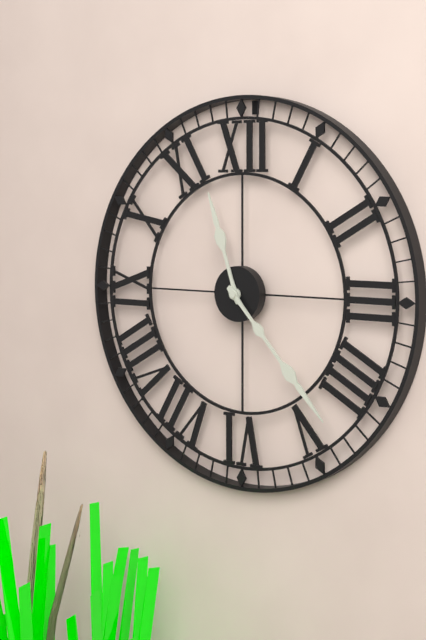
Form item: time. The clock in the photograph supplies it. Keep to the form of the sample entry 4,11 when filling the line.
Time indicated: 11,23
